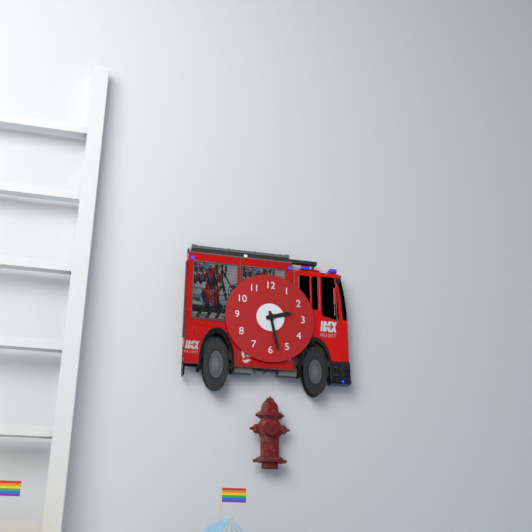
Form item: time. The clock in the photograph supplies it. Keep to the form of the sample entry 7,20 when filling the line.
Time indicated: 2,28
